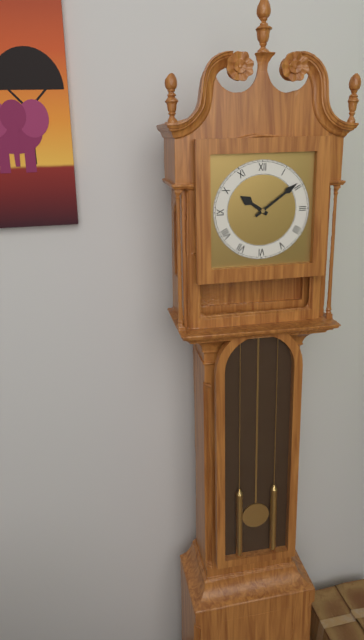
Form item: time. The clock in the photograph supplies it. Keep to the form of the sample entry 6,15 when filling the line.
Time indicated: 10,09
